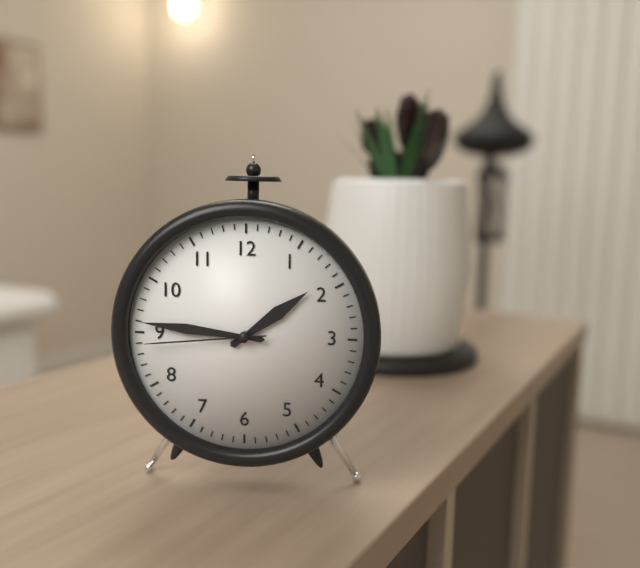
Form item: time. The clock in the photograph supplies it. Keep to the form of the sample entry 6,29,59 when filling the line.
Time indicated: 1,46,44
